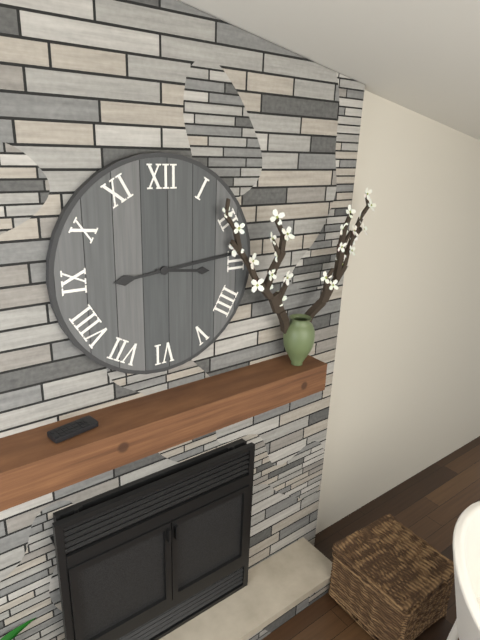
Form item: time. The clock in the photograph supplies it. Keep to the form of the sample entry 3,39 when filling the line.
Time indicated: 3,14
